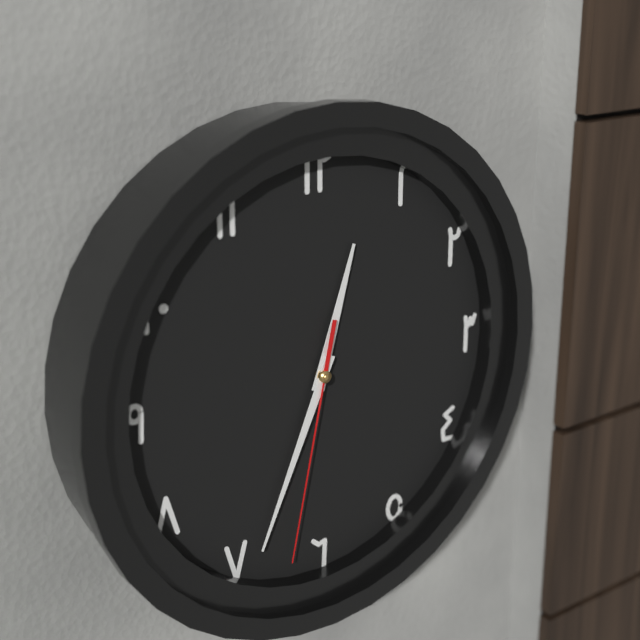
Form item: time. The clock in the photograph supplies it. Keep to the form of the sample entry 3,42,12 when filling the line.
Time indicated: 12,34,32
